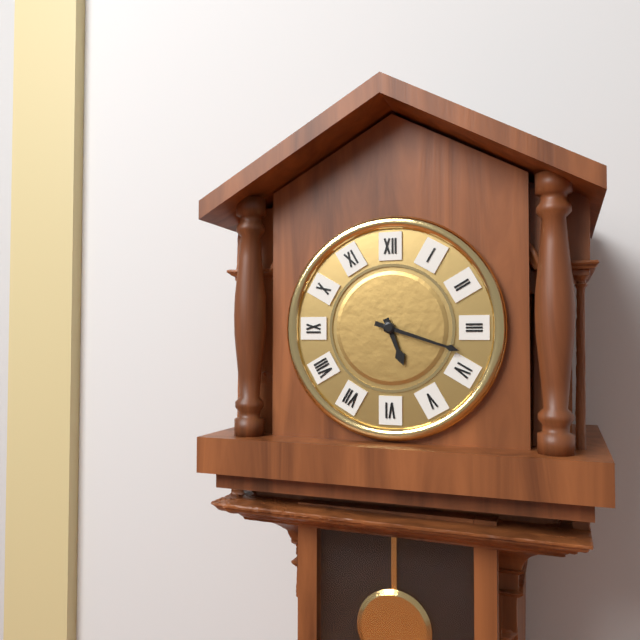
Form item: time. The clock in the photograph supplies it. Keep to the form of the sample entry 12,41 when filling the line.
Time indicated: 5,18
